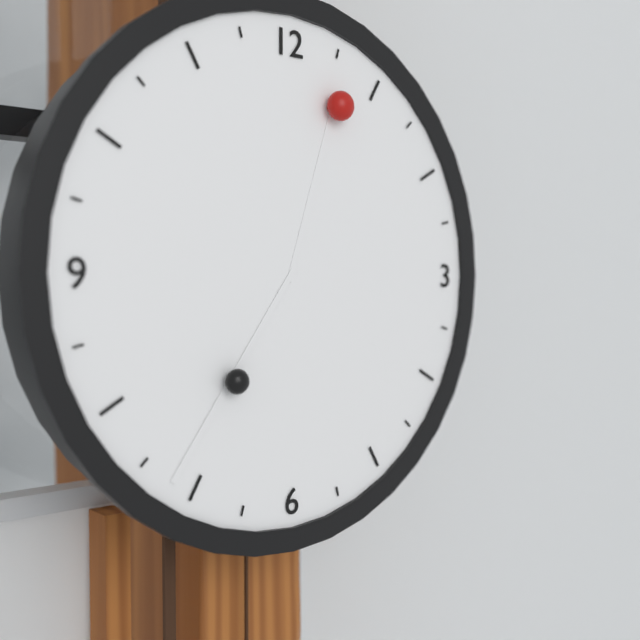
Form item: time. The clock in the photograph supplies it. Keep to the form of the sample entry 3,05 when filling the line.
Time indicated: 12,36
